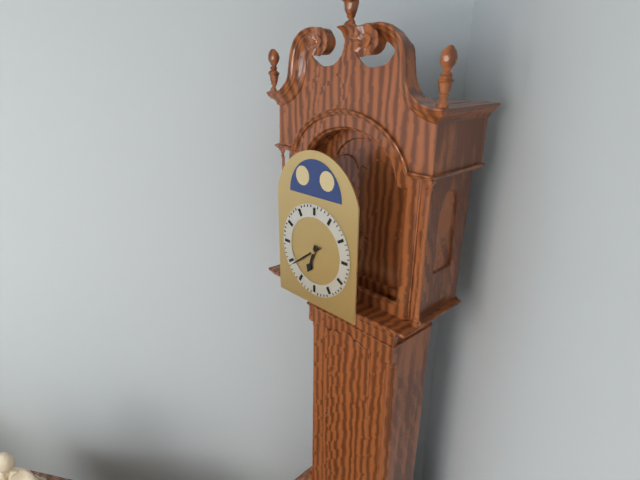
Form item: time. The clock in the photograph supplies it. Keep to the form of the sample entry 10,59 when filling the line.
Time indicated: 6,39
